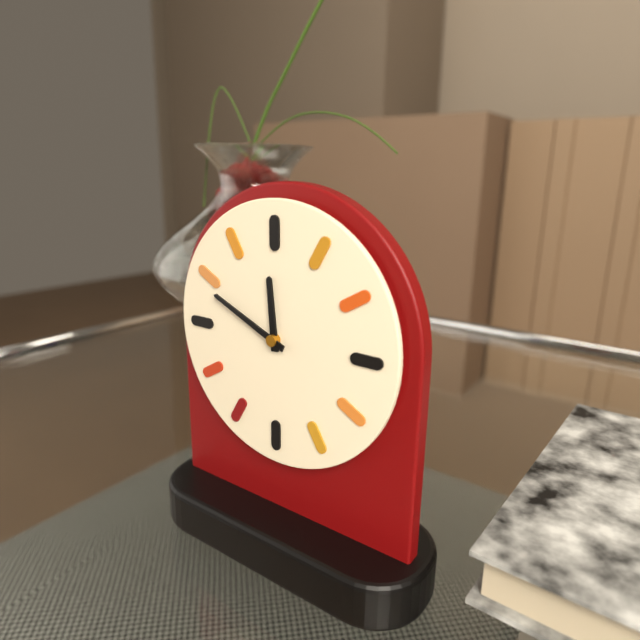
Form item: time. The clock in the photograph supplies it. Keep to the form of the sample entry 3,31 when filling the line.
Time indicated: 11,49
